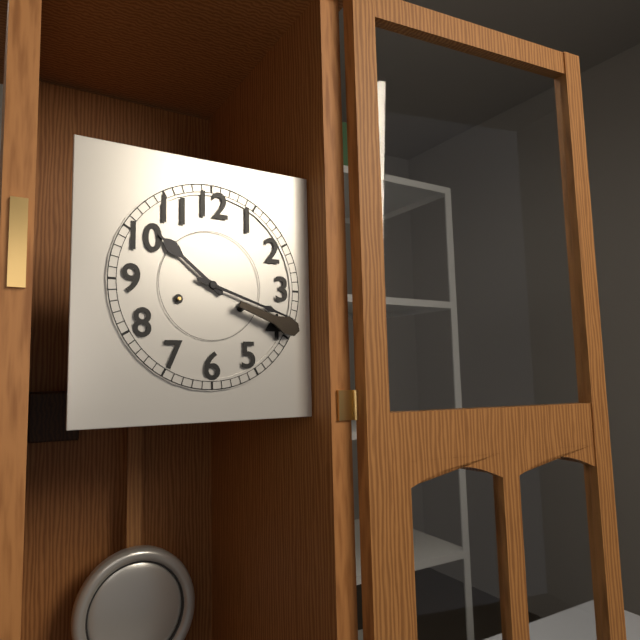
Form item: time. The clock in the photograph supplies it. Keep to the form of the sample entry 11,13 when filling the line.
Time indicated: 10,18
